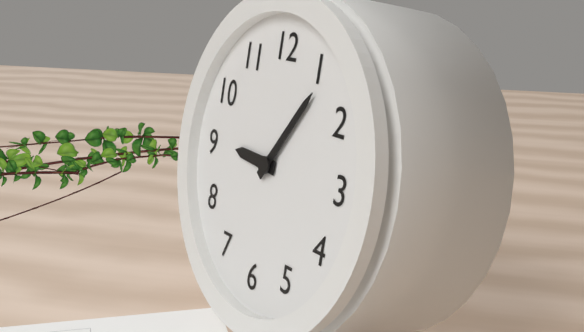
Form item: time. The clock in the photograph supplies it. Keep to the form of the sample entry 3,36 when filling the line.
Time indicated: 9,06
